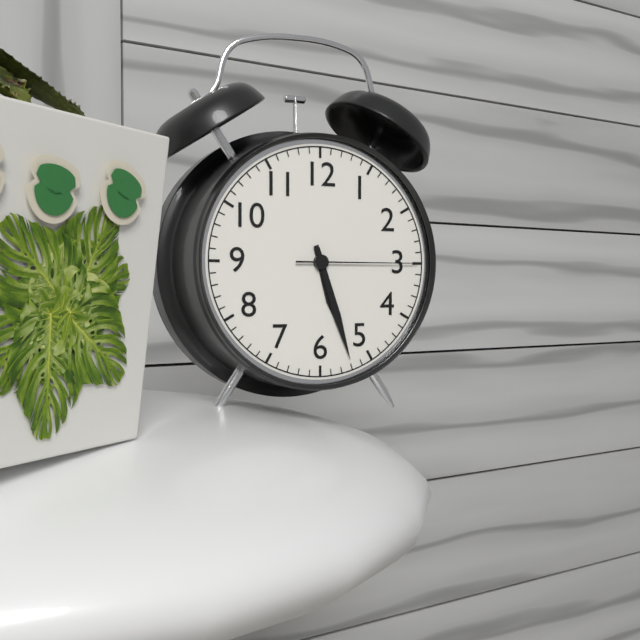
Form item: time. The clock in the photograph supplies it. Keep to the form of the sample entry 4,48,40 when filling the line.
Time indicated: 5,27,15
